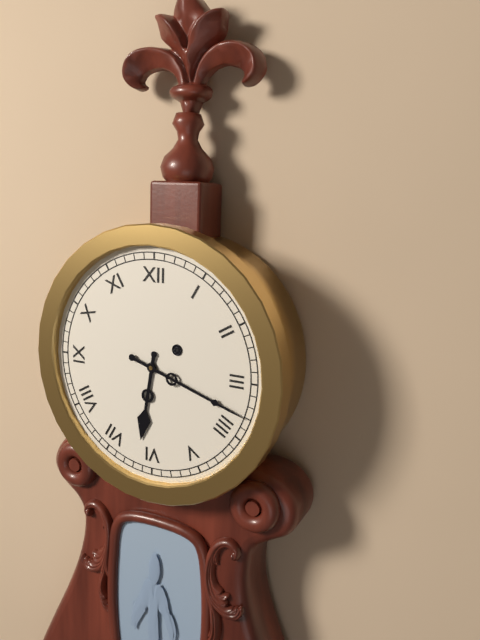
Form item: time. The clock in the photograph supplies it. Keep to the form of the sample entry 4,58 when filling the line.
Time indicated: 6,18
